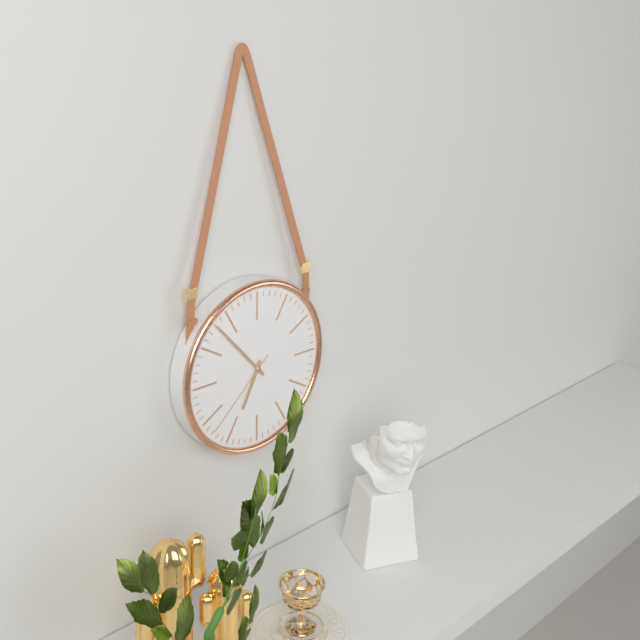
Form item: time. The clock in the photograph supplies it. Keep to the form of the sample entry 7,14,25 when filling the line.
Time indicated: 6,53,38
